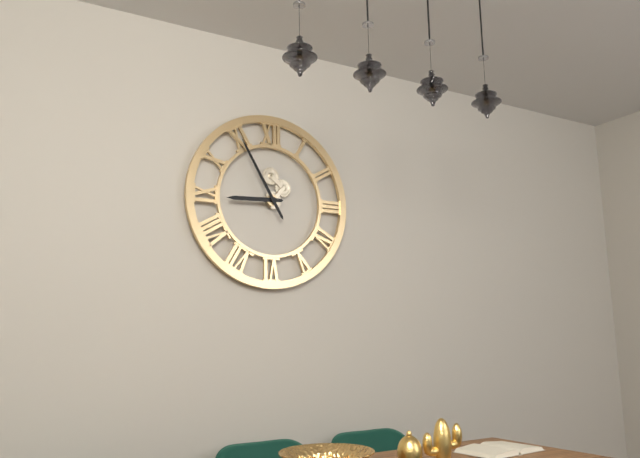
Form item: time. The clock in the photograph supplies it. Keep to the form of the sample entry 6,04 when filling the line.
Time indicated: 8,55
